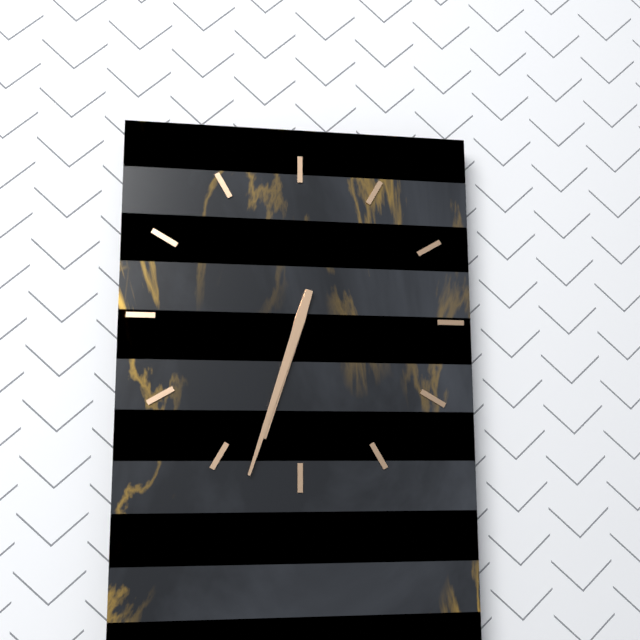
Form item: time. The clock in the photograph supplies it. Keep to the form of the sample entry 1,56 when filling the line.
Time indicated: 6,33
